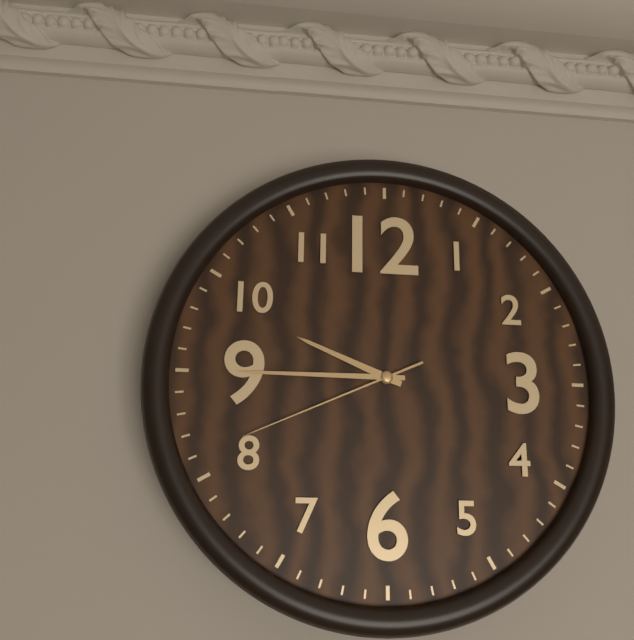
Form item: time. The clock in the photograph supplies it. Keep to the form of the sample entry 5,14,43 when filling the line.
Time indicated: 9,45,41
